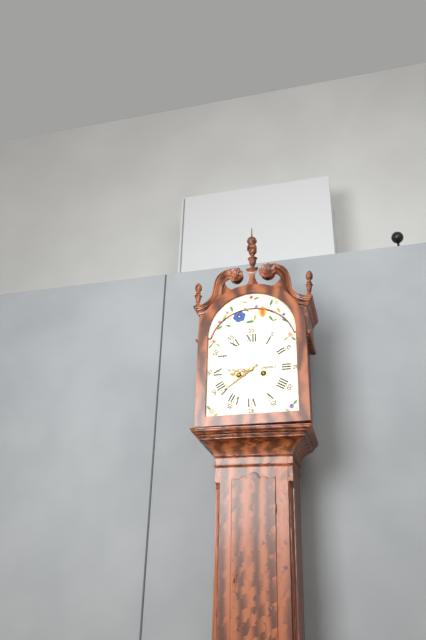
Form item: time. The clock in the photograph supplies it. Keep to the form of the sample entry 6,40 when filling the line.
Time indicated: 8,39
